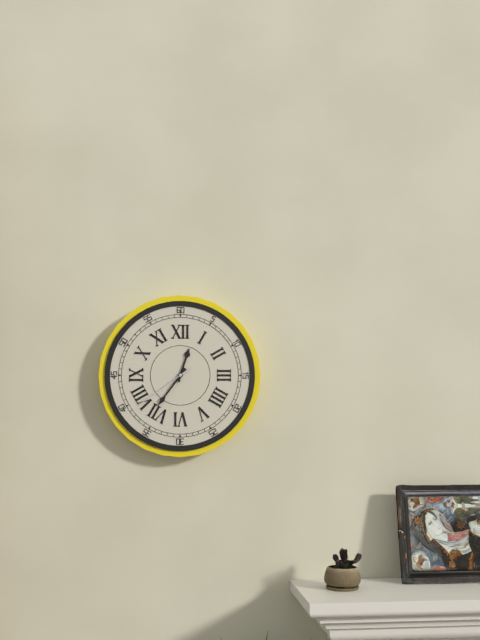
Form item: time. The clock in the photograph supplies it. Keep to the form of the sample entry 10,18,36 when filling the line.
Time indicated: 12,36,39
